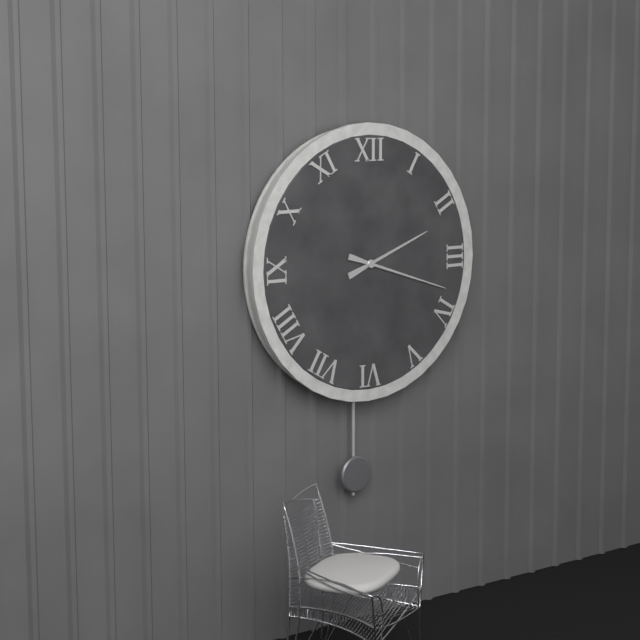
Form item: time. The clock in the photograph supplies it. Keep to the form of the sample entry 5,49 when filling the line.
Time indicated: 2,18
